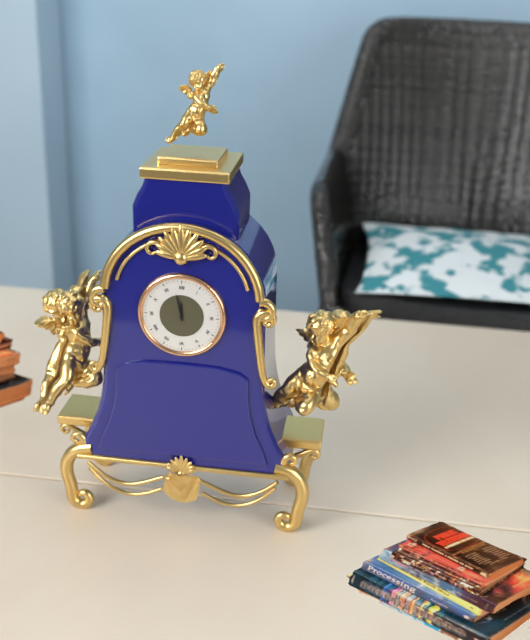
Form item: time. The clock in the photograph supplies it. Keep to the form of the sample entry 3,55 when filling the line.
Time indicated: 11,58
